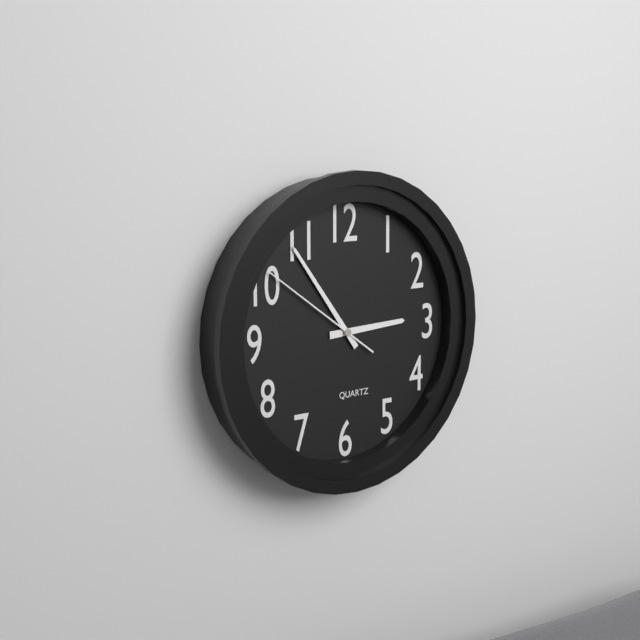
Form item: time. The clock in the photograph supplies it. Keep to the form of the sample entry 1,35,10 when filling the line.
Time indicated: 2,54,51
